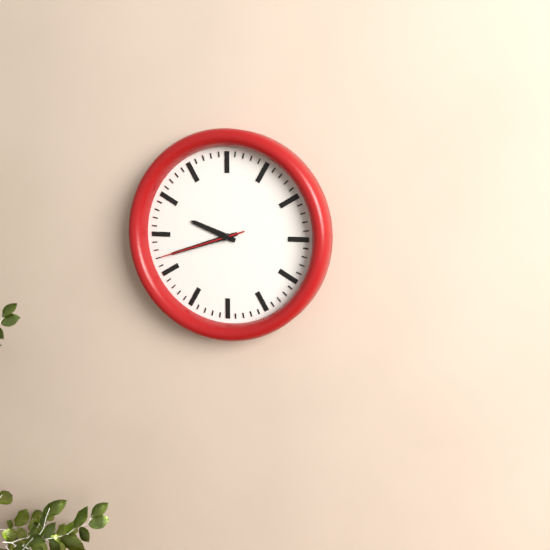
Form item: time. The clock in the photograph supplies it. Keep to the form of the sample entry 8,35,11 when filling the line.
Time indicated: 9,42,42
